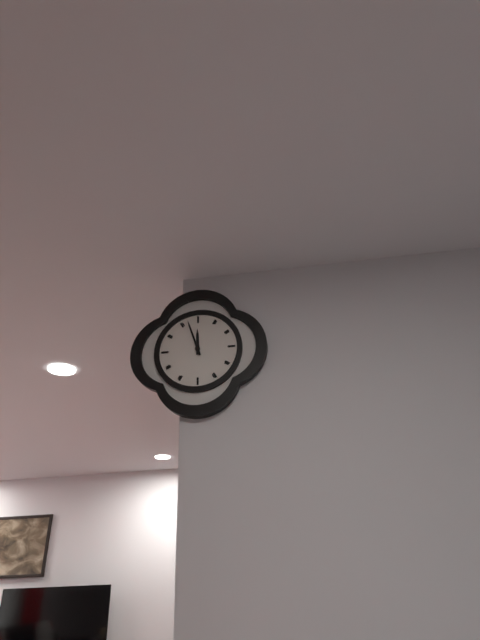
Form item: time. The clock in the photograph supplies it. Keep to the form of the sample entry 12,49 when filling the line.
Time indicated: 11,57
